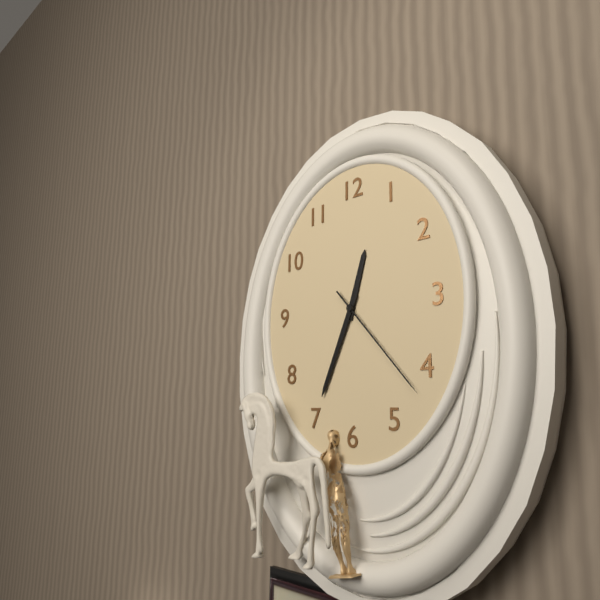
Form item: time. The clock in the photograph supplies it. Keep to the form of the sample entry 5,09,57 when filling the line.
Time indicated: 12,34,23
